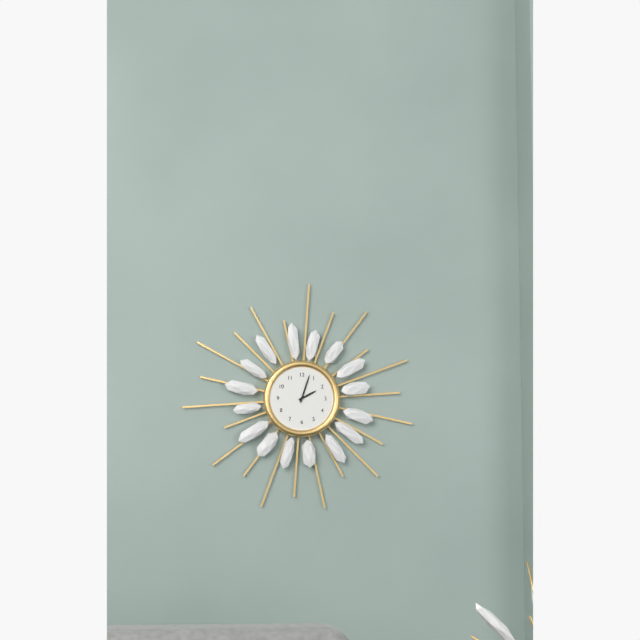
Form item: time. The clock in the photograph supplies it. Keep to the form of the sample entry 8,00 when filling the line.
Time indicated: 2,03
